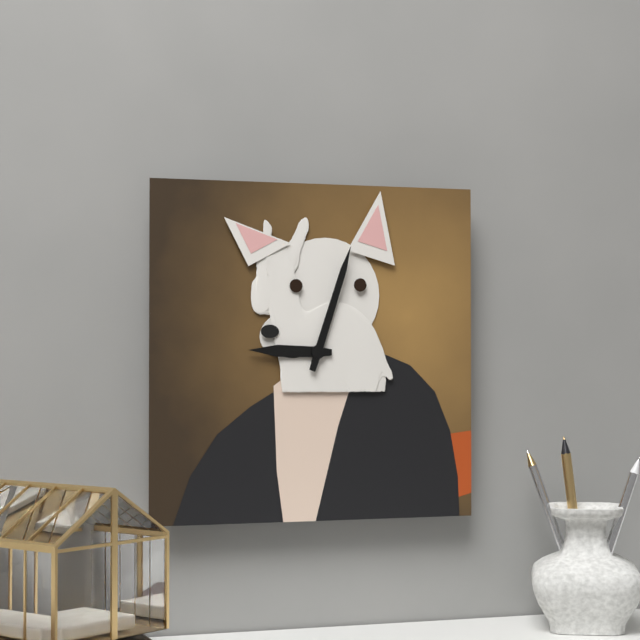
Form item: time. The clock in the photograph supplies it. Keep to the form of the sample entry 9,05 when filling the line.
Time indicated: 9,03
